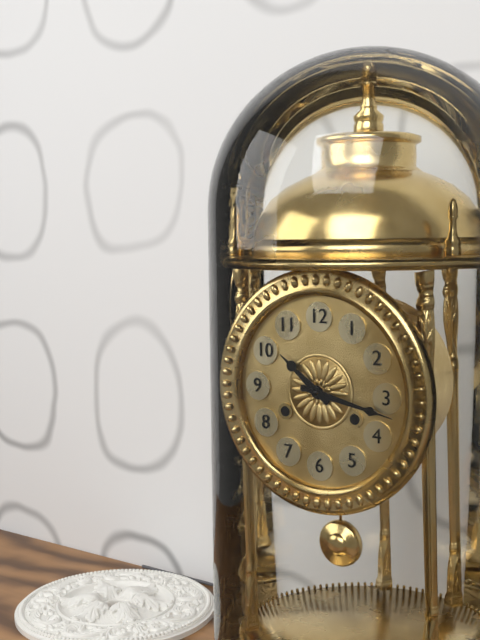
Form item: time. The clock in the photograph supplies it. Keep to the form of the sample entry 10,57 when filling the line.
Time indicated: 10,17
